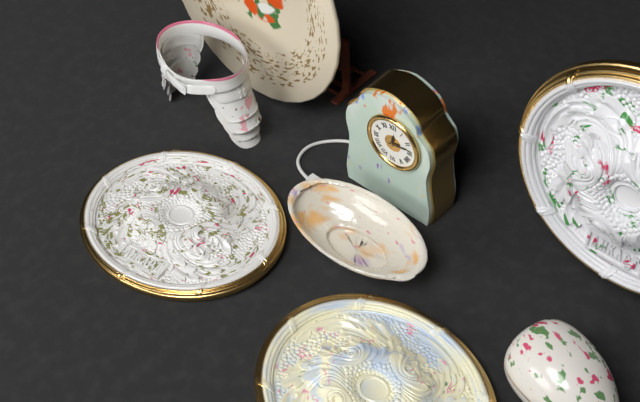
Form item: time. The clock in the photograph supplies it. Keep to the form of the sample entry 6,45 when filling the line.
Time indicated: 12,13
